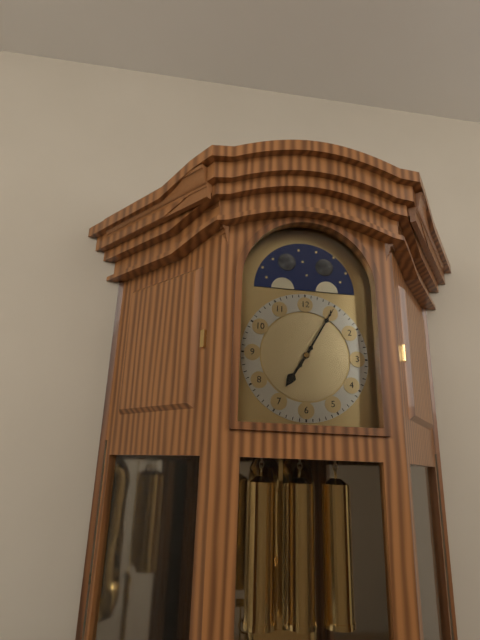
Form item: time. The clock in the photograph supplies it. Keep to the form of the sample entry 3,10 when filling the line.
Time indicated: 7,05
